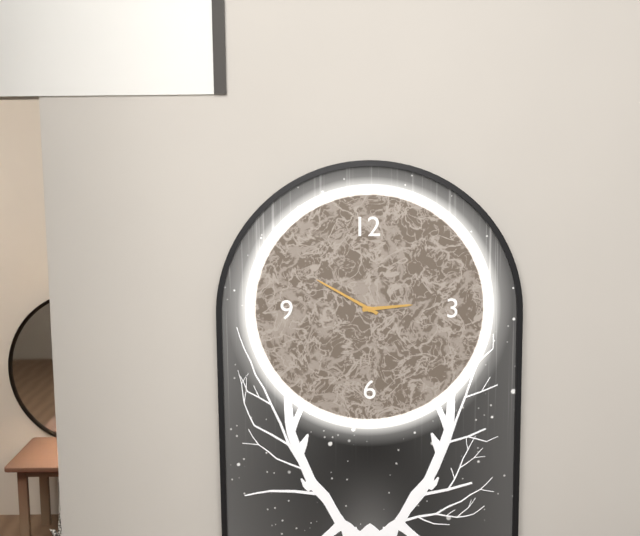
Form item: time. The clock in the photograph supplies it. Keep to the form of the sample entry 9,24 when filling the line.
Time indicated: 2,50
